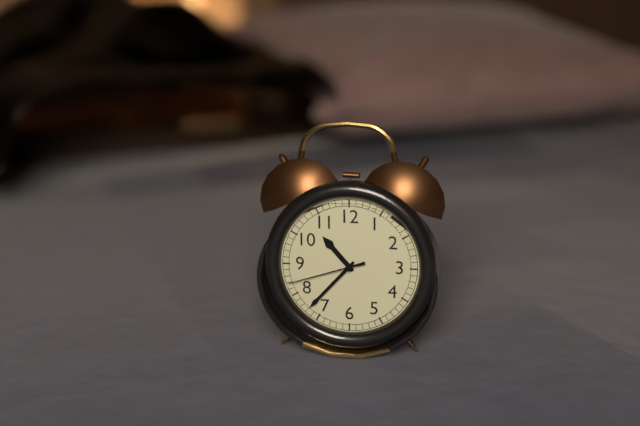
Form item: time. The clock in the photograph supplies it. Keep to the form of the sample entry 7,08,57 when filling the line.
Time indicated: 10,37,42
